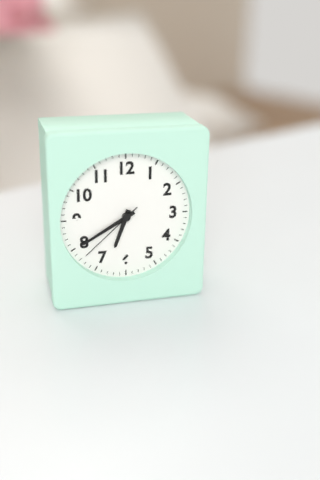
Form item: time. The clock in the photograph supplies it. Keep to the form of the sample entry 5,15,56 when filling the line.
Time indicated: 6,40,38
